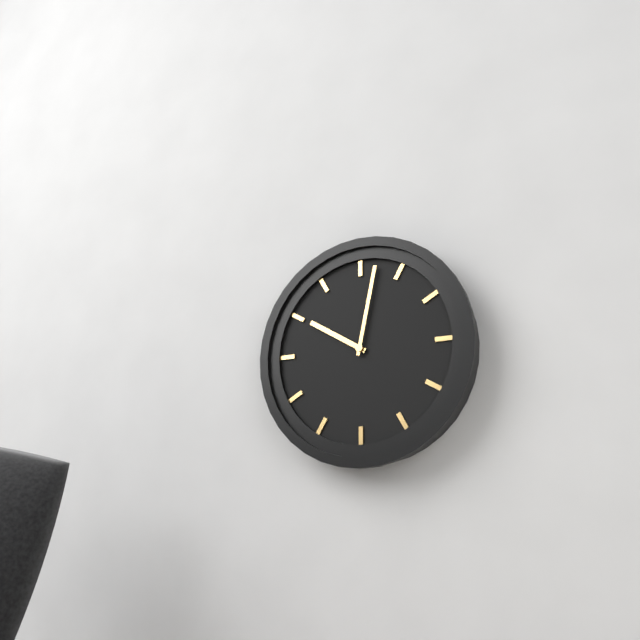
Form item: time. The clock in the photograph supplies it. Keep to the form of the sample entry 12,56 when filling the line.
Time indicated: 10,02
